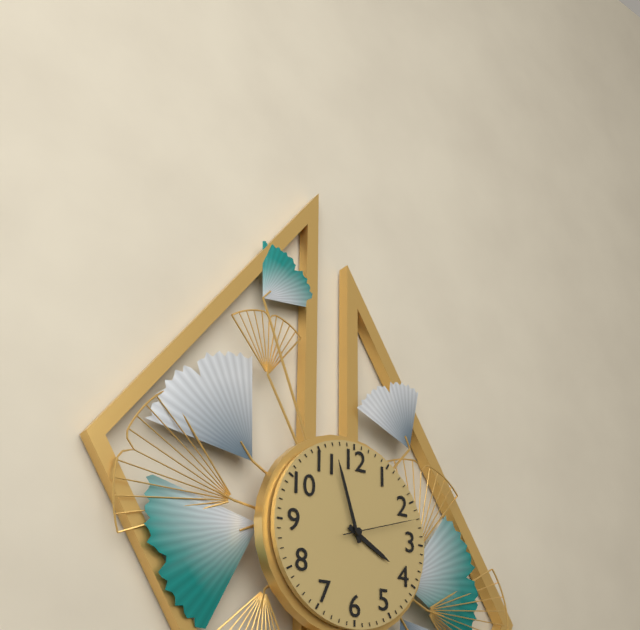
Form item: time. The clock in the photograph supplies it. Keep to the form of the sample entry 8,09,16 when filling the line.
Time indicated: 3,57,12
